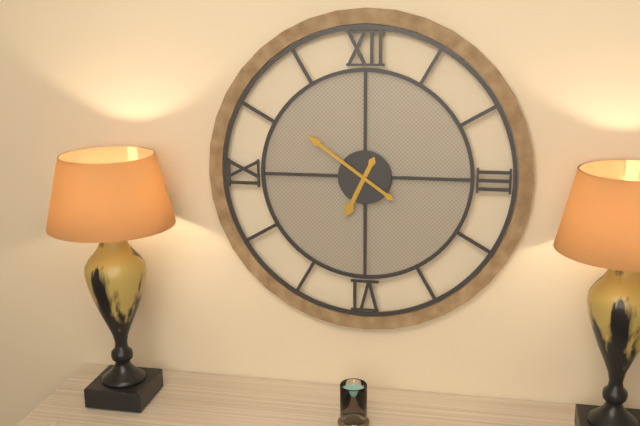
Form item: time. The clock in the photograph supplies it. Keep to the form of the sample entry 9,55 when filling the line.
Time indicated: 6,51
